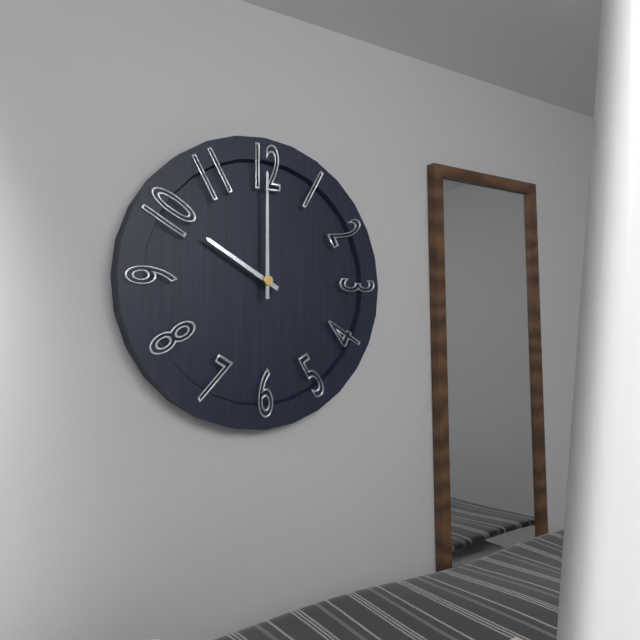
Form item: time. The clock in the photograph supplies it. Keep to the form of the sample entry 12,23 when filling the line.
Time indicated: 10,00
